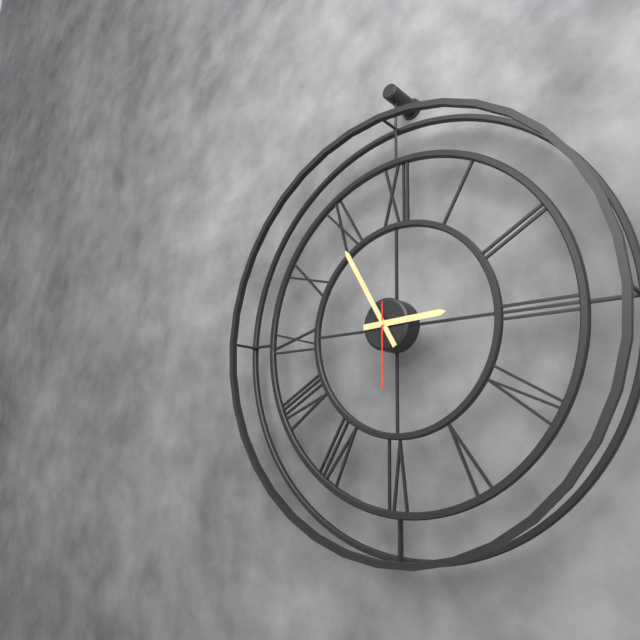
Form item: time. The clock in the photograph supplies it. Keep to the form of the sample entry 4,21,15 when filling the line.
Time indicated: 2,55,30
